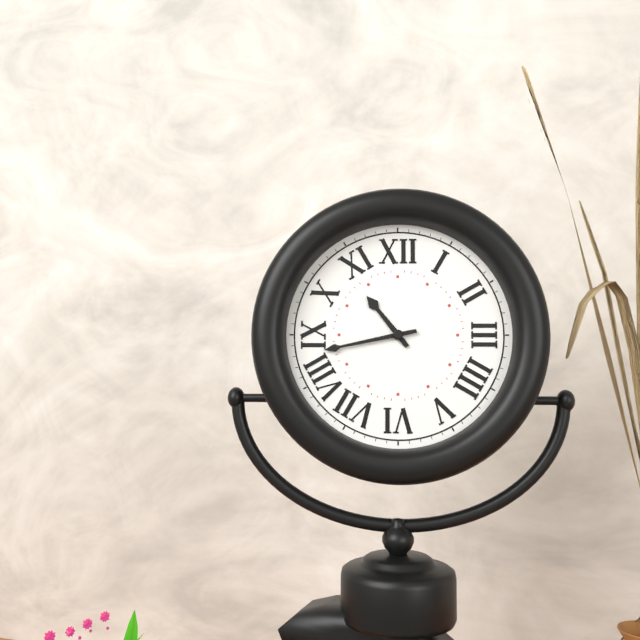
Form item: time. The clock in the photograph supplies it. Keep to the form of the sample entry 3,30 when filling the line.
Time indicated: 10,43
